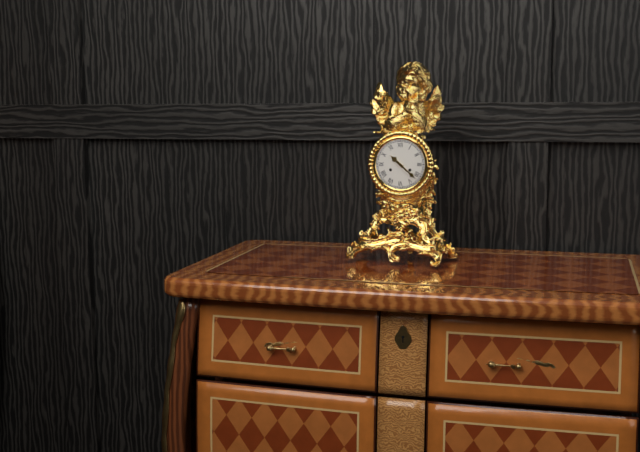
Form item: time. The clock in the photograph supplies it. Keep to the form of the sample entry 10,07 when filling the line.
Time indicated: 10,22
